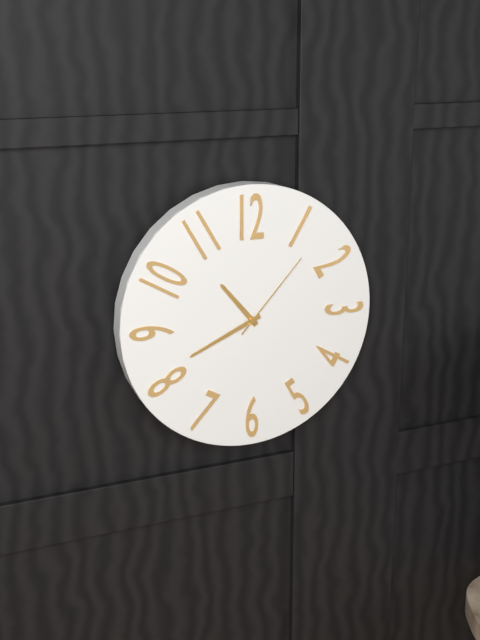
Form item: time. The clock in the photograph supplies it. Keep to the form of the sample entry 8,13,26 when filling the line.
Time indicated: 10,41,07
